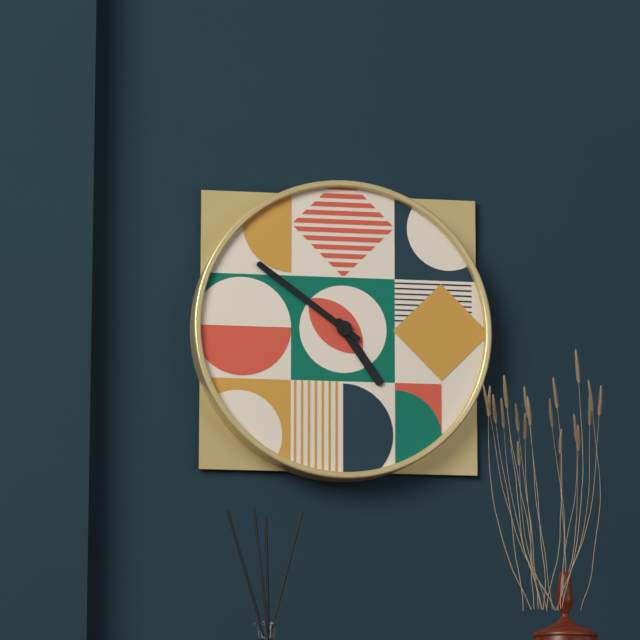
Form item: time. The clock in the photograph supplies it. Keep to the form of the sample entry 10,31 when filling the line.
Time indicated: 4,51
